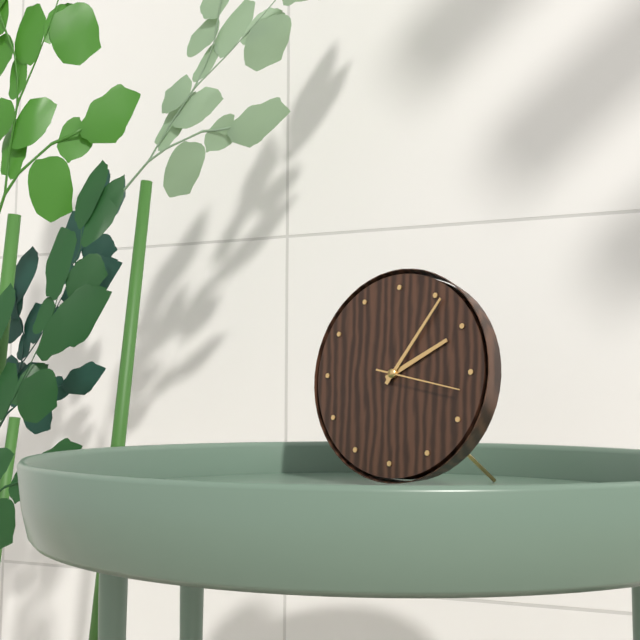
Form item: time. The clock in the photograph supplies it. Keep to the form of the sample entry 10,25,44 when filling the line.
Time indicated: 2,06,17
